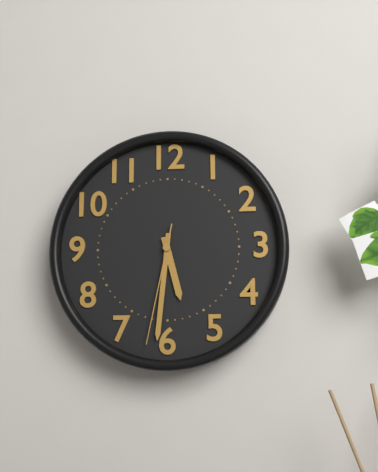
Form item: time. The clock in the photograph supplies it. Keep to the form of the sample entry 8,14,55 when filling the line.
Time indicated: 5,31,32
